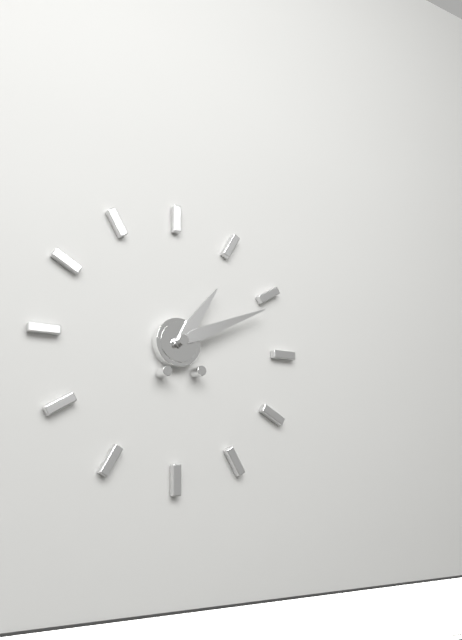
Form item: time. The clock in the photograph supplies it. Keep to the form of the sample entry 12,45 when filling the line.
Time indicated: 1,11
